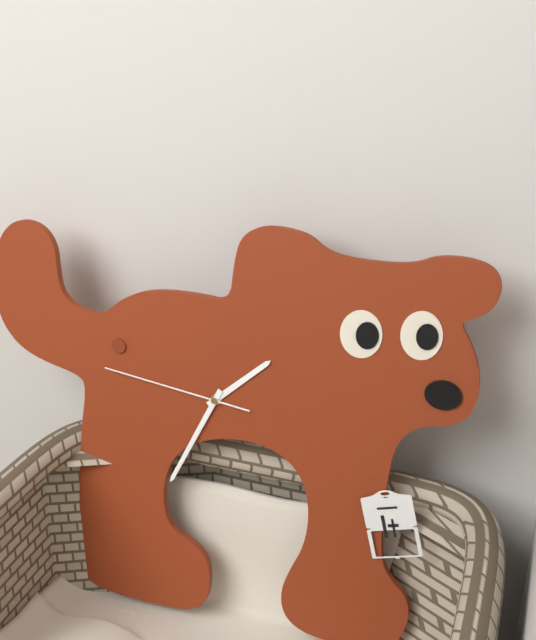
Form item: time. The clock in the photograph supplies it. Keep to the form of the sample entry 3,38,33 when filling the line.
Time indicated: 1,34,46
